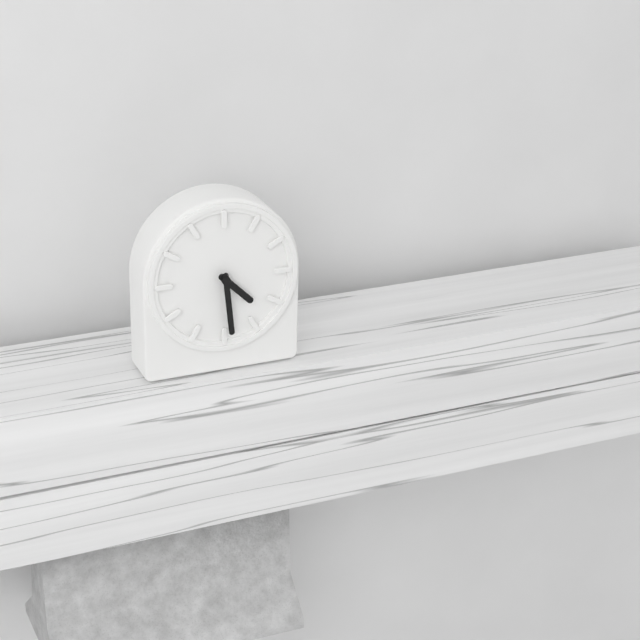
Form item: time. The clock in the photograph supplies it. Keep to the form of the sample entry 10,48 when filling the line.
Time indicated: 4,29
